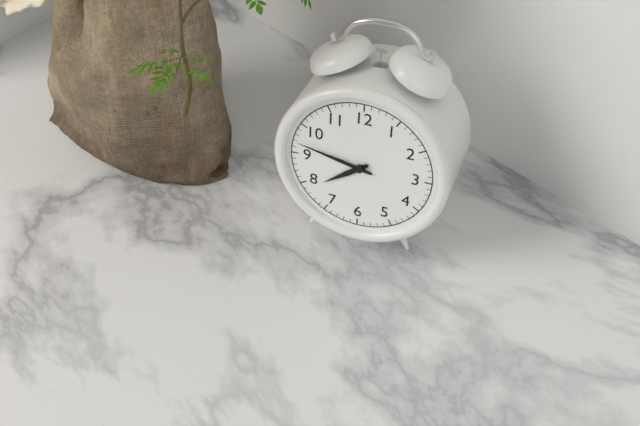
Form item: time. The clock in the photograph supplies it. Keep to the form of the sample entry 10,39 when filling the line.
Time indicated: 7,47
